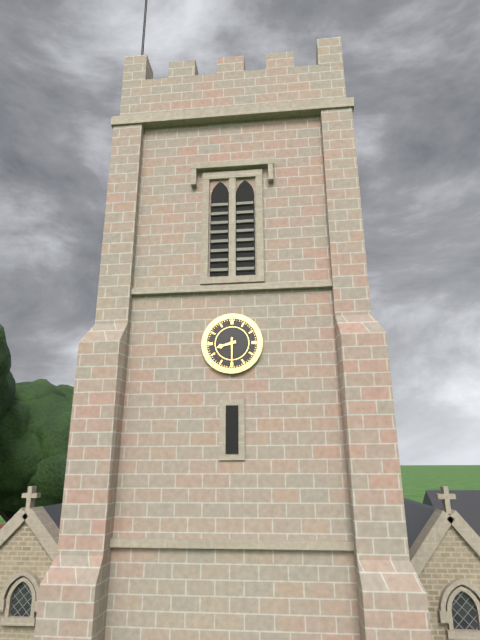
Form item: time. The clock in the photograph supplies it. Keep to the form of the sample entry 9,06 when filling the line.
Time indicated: 8,30
